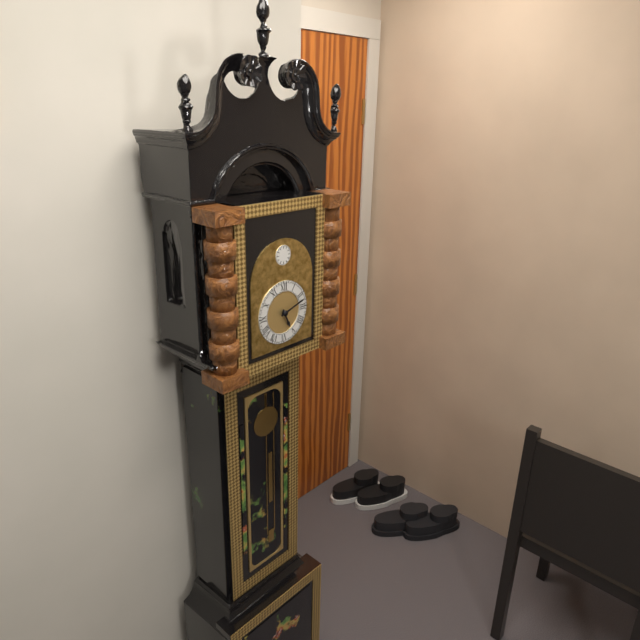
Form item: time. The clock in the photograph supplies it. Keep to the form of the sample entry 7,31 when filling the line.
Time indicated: 5,12
